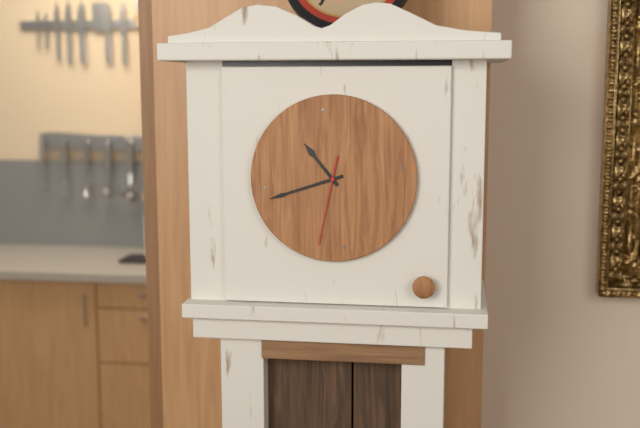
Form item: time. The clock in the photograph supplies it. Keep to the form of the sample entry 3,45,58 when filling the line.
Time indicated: 10,42,32
